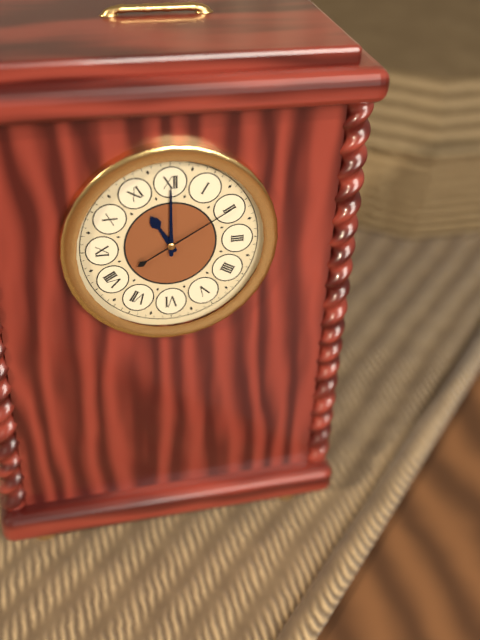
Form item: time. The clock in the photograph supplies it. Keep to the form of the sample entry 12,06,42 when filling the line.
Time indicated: 11,00,10
